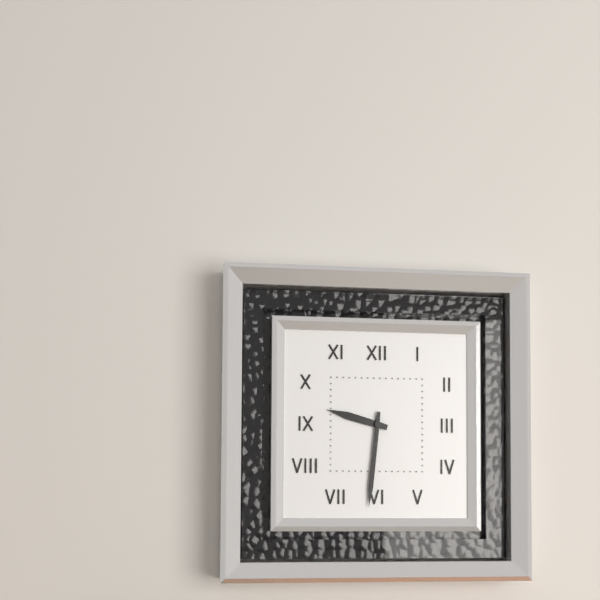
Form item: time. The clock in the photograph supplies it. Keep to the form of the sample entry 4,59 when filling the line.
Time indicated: 9,31
